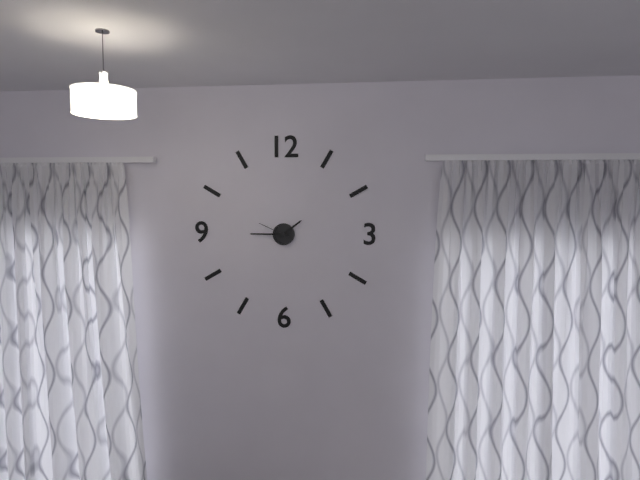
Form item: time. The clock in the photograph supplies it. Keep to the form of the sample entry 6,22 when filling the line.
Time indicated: 1,45
